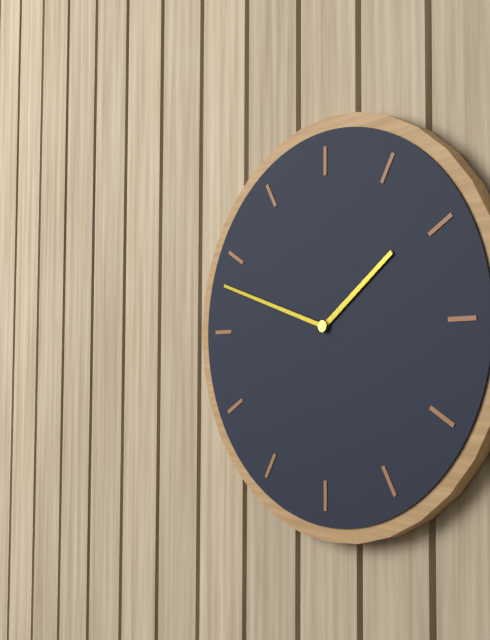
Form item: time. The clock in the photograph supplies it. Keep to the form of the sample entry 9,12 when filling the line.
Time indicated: 1,48
